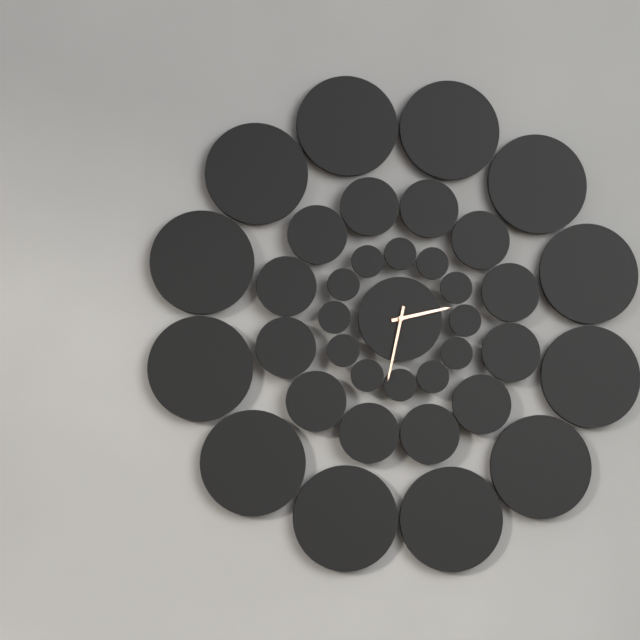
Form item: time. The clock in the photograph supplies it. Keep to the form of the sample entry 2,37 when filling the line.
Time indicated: 2,32
